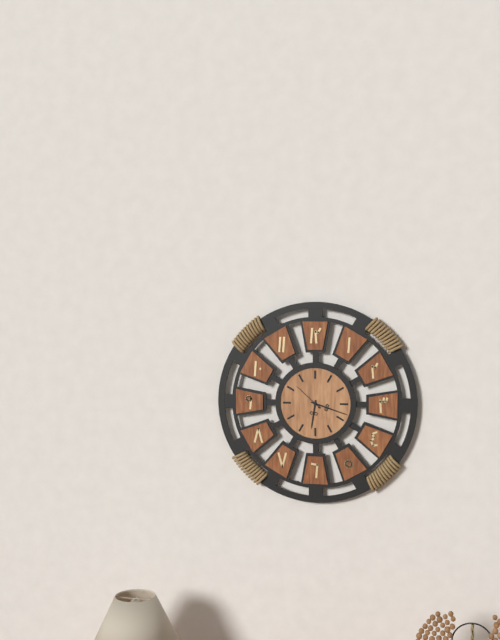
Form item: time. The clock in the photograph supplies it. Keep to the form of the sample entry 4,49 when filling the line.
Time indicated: 6,18
